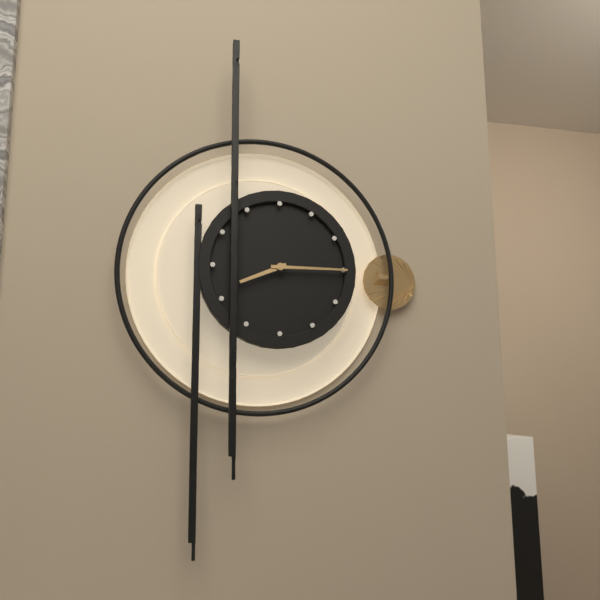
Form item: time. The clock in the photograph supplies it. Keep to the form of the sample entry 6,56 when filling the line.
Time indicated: 8,15
